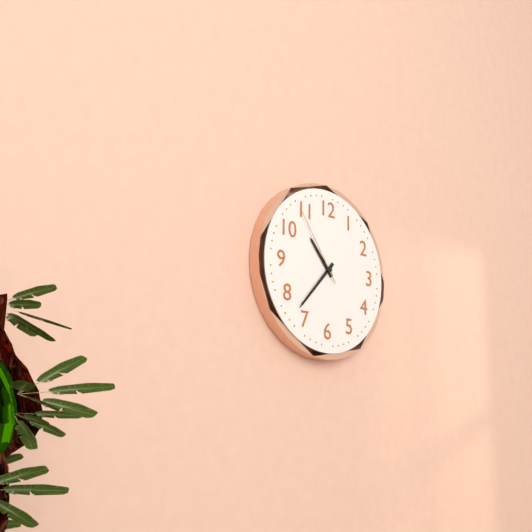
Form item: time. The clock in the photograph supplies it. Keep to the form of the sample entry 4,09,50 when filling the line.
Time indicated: 10,37,54
